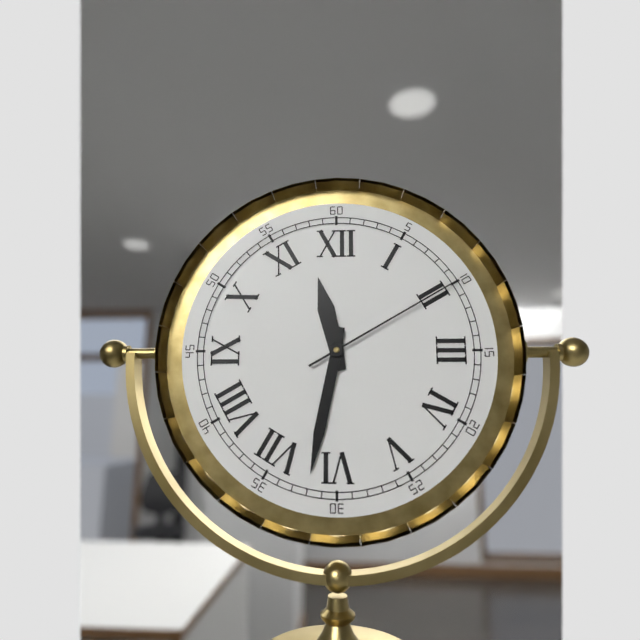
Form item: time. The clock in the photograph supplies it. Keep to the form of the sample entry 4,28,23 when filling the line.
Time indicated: 11,32,10
